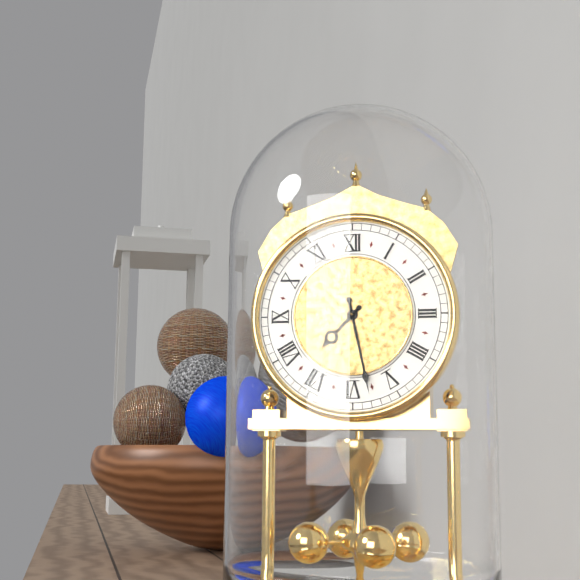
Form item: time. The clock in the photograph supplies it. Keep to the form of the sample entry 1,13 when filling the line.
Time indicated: 7,28
